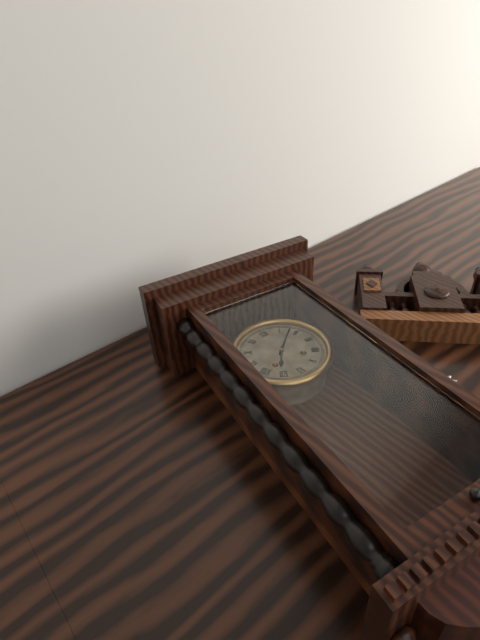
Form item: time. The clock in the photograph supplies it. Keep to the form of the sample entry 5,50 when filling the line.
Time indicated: 7,08
